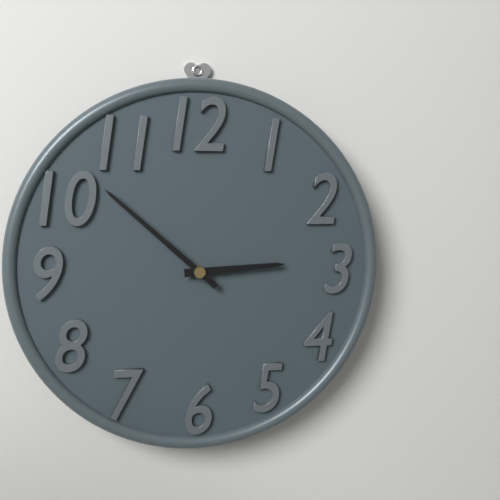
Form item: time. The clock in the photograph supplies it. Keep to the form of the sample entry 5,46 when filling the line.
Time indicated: 2,52
